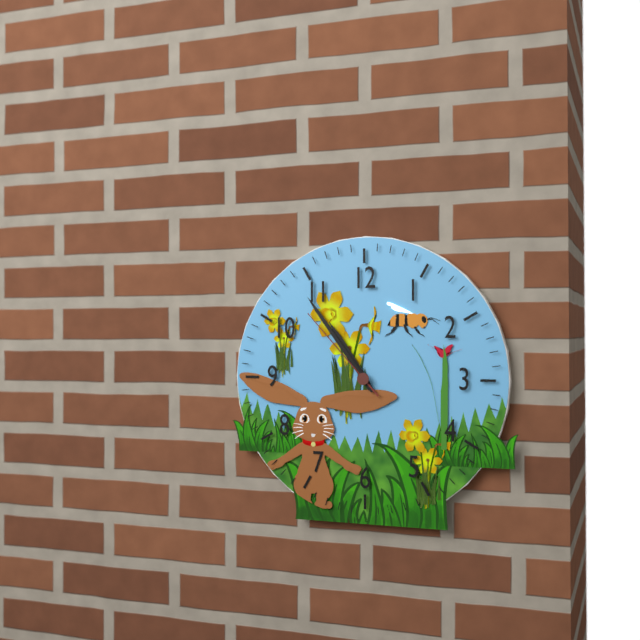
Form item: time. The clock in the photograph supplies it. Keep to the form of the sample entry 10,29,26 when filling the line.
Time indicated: 10,54,53
